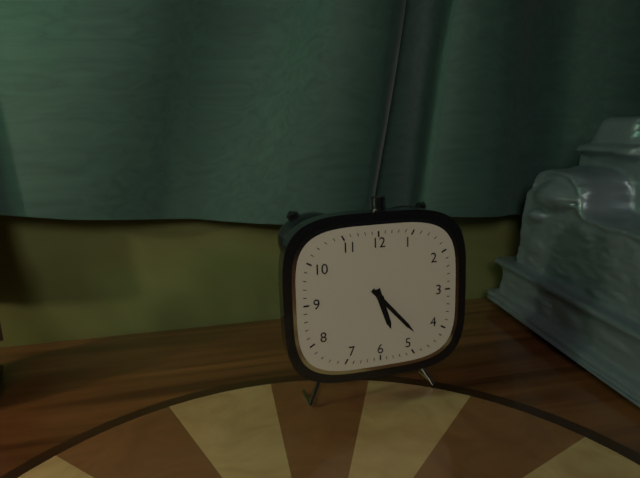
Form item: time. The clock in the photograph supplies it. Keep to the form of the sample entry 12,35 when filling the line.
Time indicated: 5,23
